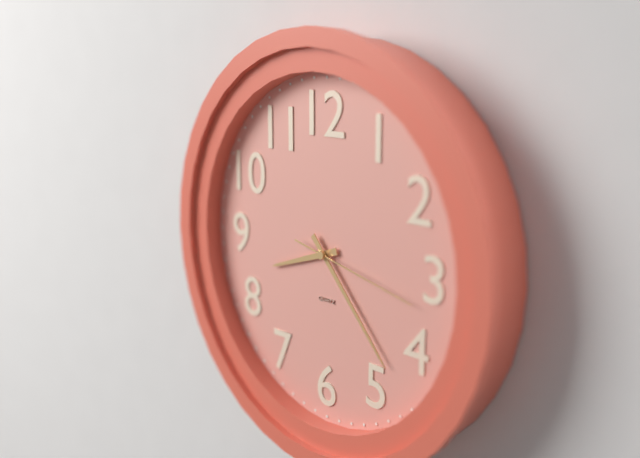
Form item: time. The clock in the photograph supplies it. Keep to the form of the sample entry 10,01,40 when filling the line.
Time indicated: 8,23,17
